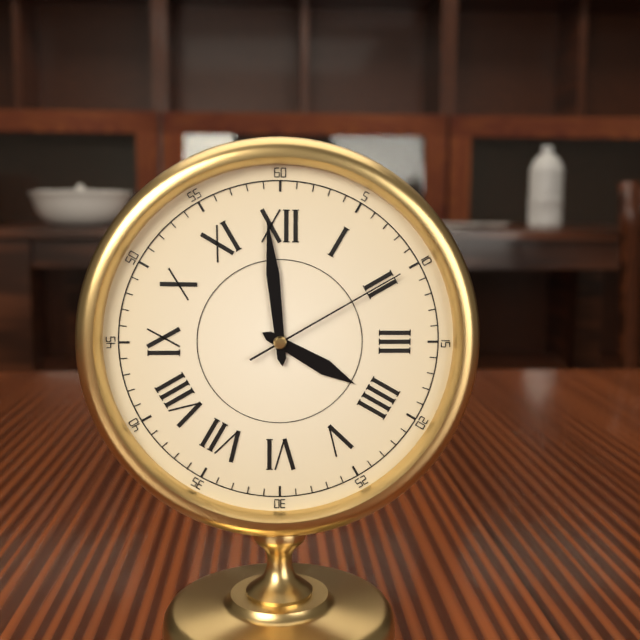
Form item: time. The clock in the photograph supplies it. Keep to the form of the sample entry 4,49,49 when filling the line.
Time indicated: 3,59,10
